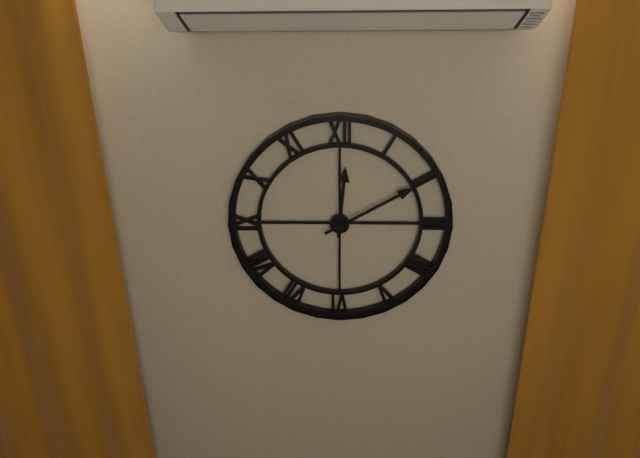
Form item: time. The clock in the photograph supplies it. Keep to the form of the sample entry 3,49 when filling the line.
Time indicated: 12,10
